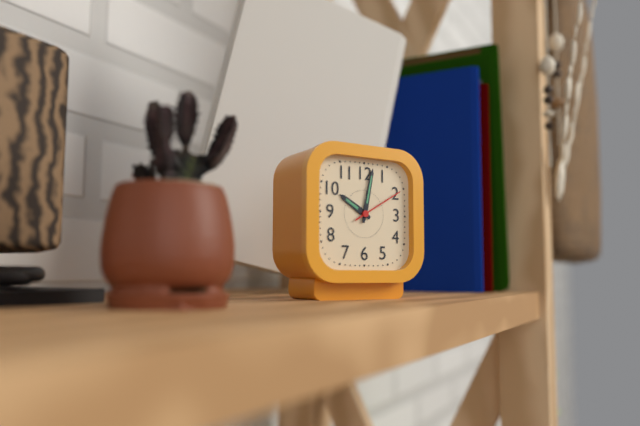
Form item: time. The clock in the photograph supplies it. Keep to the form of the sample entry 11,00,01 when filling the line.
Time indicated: 10,02,10
